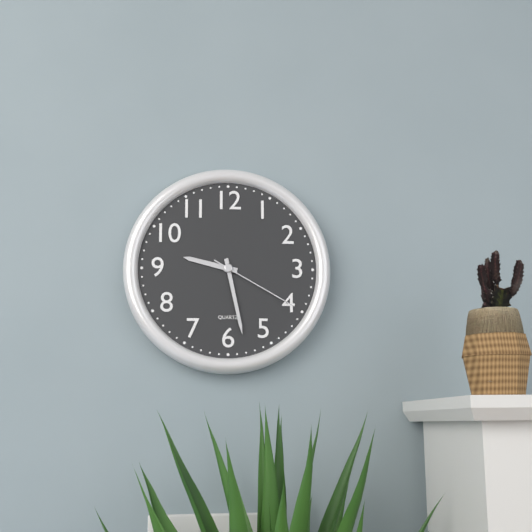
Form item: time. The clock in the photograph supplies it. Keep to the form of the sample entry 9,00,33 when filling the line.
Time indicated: 9,28,20
